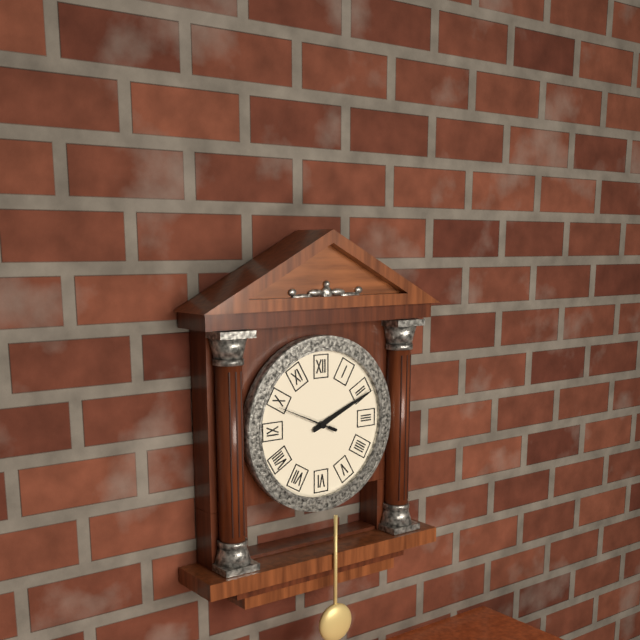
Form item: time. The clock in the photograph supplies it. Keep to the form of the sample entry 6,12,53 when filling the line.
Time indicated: 2,11,49
